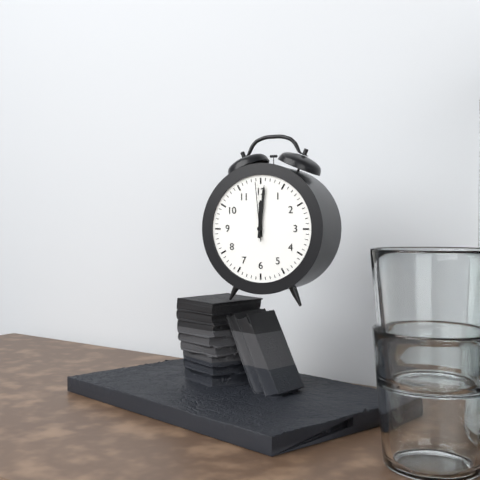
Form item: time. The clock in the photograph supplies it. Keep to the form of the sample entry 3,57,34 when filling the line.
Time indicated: 12,01,59
